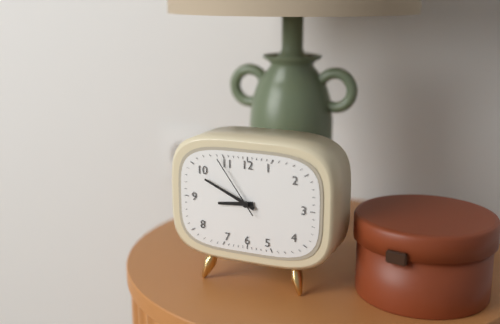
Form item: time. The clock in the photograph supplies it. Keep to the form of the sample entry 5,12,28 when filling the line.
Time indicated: 8,49,54
